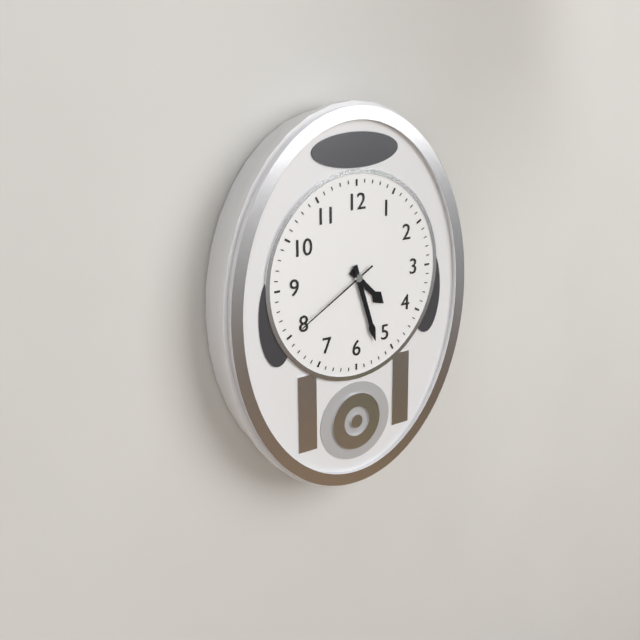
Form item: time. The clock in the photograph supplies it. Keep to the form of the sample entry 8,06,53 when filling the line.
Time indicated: 4,27,40
